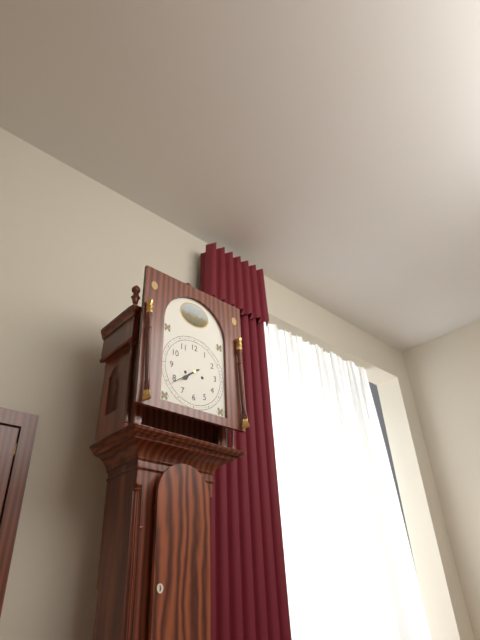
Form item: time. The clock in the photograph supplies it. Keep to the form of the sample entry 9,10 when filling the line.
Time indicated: 7,39
